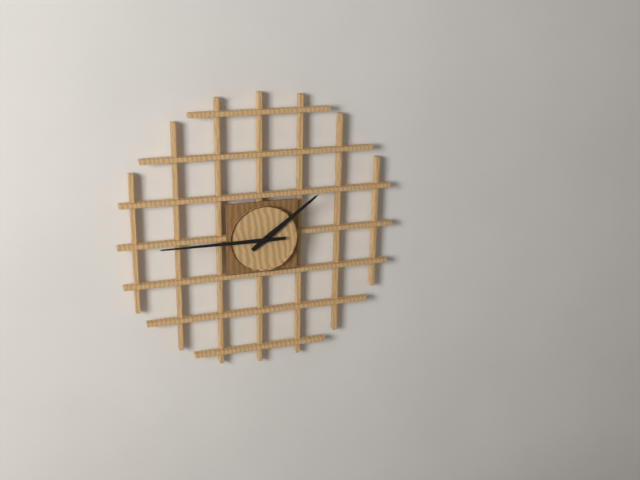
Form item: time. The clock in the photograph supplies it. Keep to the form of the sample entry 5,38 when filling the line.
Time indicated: 1,45
